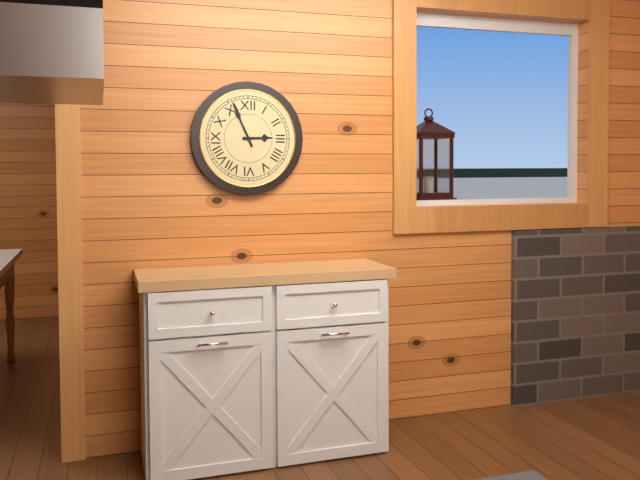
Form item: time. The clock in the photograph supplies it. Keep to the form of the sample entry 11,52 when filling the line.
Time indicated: 2,56
